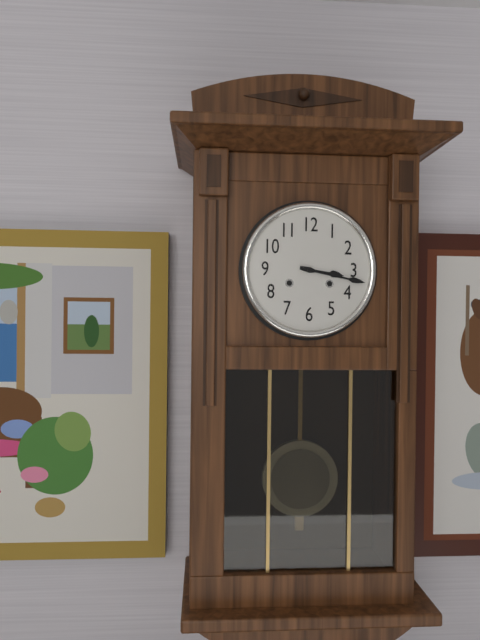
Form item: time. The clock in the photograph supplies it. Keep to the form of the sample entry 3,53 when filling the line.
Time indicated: 3,17
